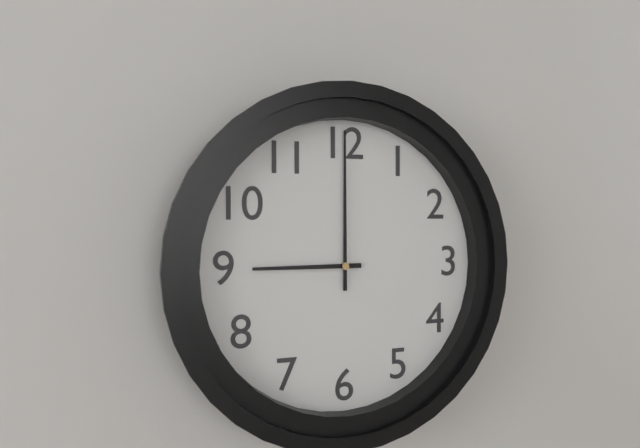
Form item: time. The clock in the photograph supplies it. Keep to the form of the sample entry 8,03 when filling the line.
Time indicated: 9,00
